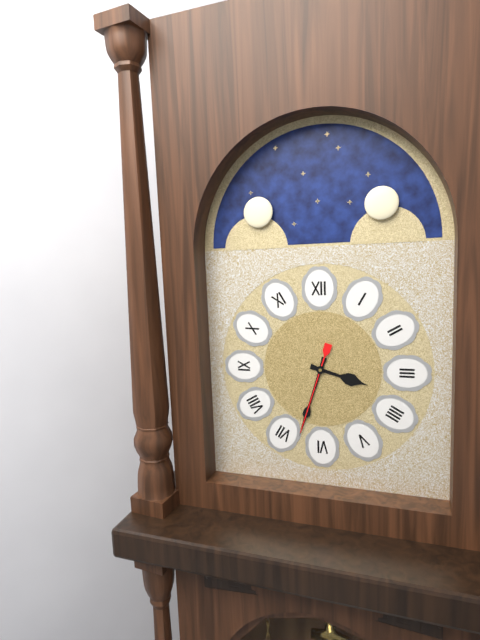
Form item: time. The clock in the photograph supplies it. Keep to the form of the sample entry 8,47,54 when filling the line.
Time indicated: 3,33,33
